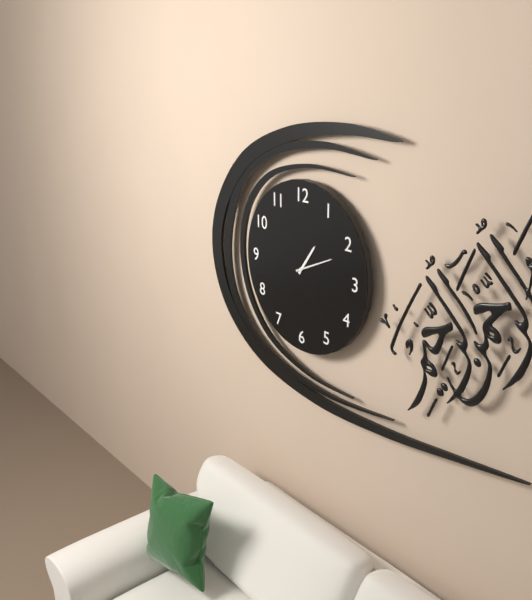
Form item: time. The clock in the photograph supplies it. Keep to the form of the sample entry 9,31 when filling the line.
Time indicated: 1,11
